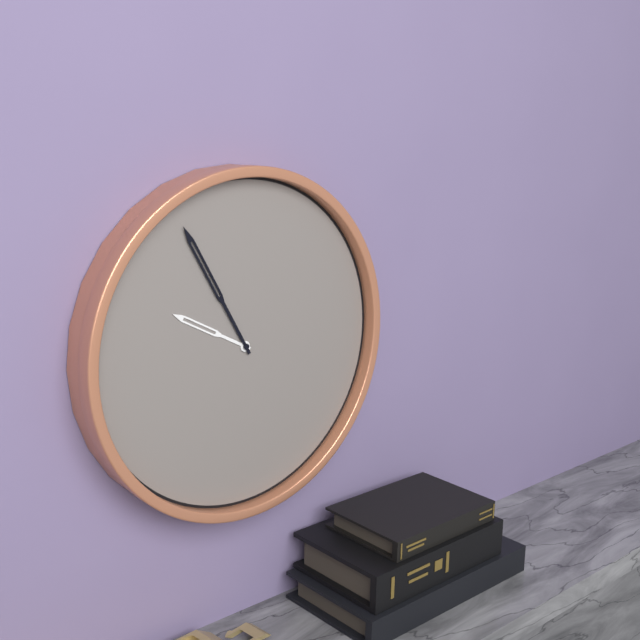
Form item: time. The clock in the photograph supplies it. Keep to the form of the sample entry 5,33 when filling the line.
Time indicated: 9,55
